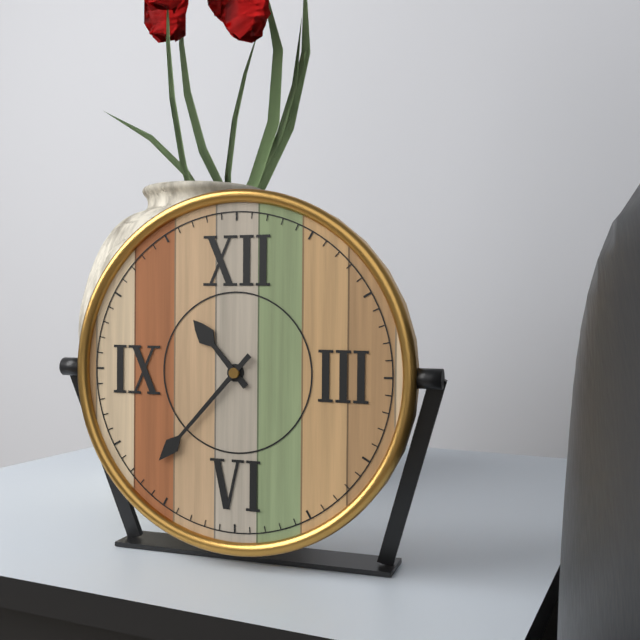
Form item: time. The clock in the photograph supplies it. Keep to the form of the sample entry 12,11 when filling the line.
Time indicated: 10,37
